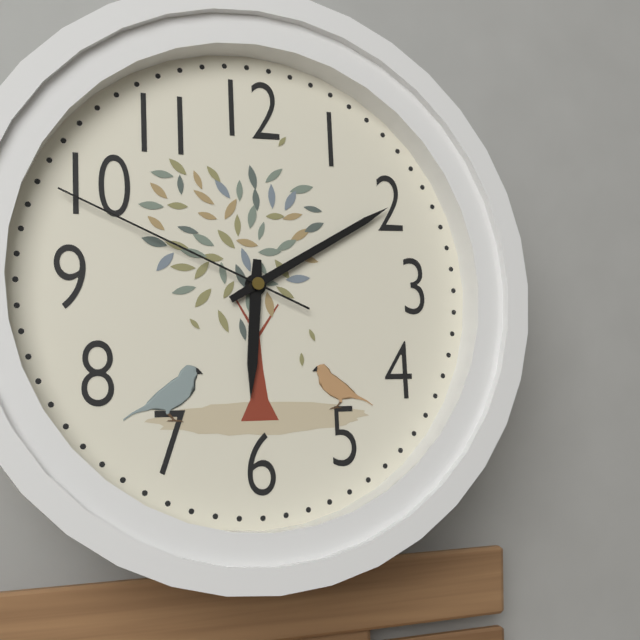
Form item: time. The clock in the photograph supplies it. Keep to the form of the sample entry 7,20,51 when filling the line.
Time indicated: 6,10,49
